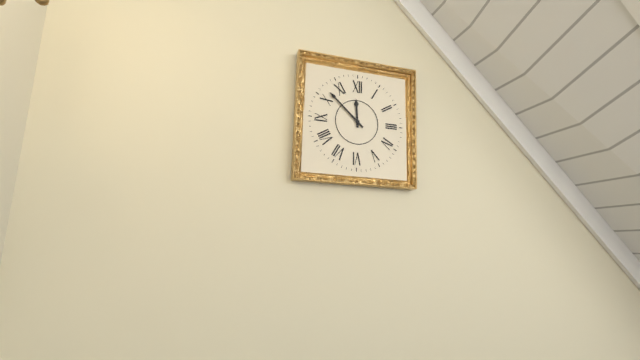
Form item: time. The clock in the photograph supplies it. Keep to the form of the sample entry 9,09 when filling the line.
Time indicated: 11,52
